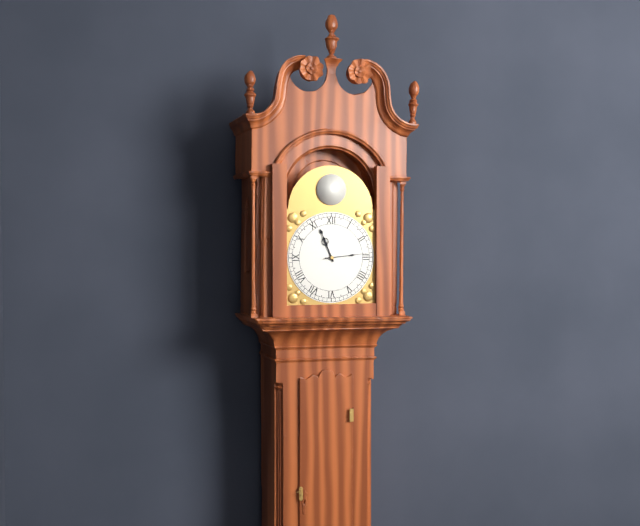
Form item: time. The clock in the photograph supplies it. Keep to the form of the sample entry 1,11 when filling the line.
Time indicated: 11,14
